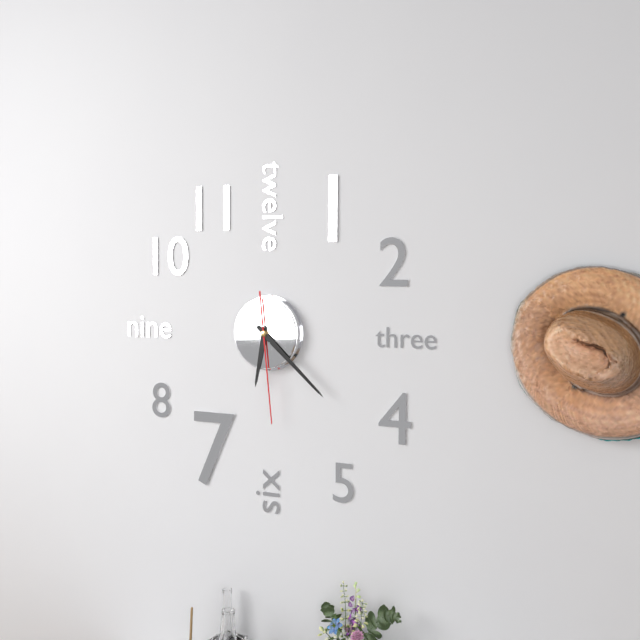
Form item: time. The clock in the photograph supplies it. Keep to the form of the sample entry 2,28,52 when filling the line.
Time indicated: 6,22,29
